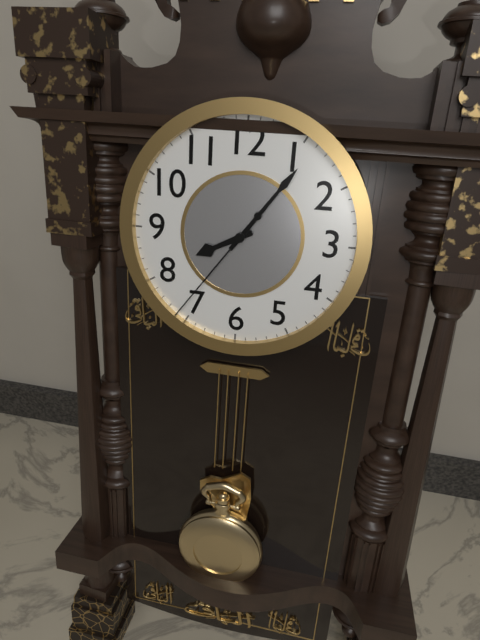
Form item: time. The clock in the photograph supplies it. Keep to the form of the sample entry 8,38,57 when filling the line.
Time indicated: 8,06,36
